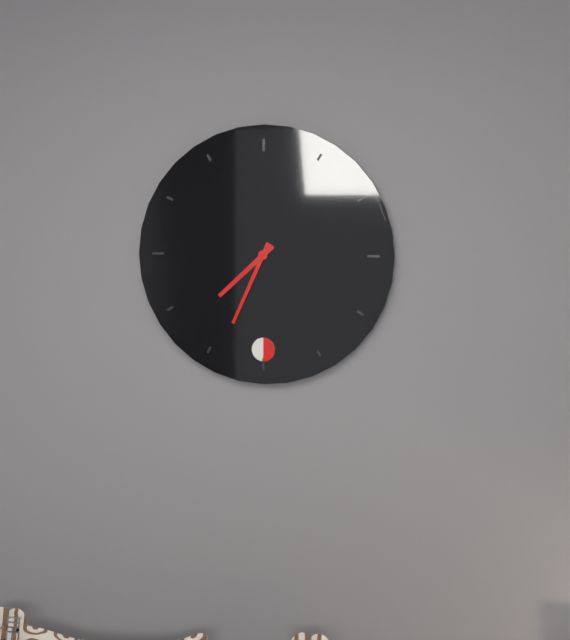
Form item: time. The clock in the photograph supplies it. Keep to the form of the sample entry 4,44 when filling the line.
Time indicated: 7,34
